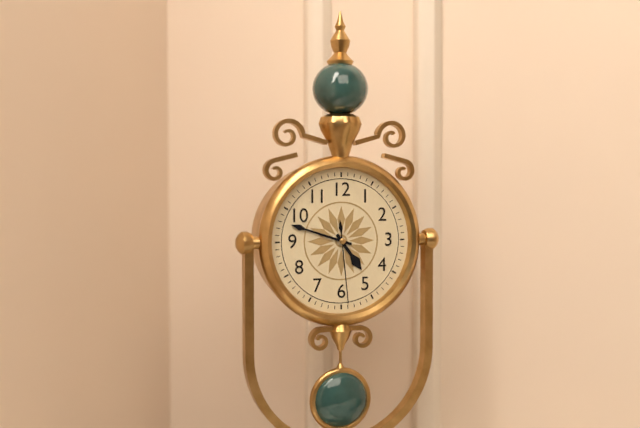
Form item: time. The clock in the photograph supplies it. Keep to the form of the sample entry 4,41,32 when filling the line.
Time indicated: 4,48,29
